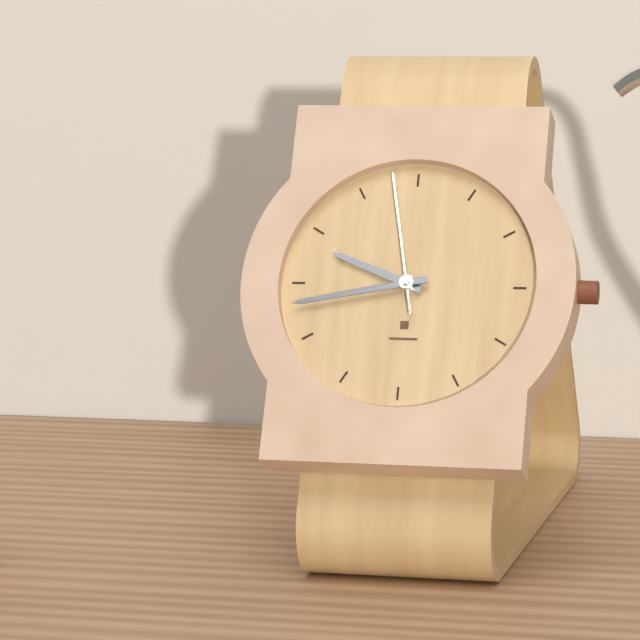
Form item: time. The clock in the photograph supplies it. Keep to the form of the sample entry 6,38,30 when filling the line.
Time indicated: 9,43,58
